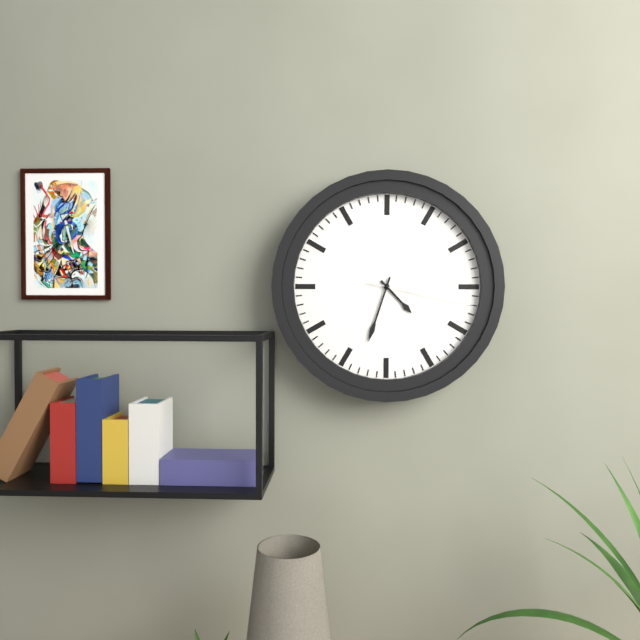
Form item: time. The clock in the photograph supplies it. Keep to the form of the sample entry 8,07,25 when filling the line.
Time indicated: 4,33,17
